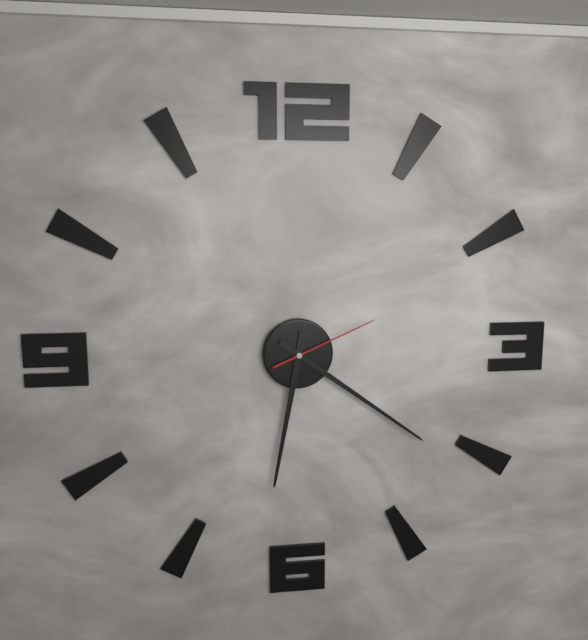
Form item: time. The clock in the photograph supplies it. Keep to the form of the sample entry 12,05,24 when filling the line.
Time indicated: 6,21,11
